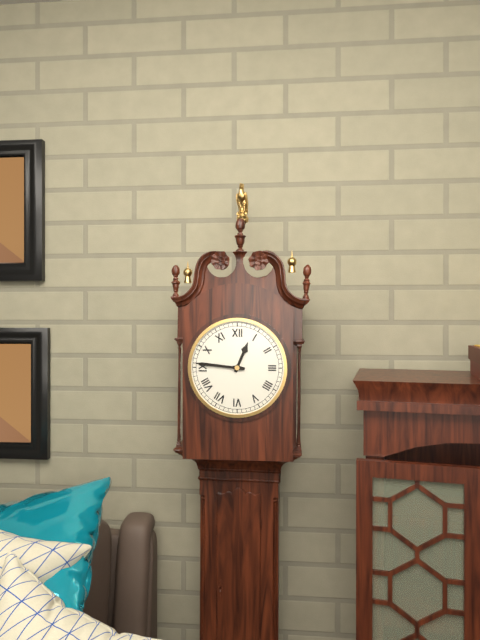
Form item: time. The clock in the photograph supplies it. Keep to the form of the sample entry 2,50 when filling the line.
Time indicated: 12,46
